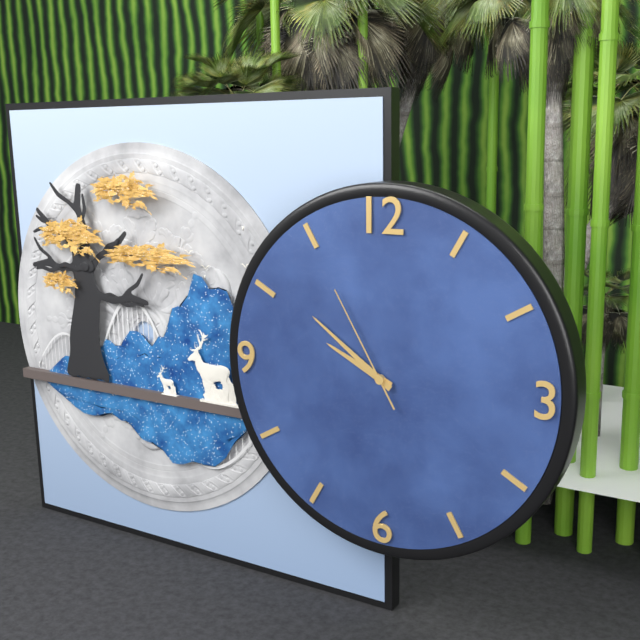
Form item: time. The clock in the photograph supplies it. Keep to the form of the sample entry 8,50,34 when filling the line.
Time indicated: 9,51,55
